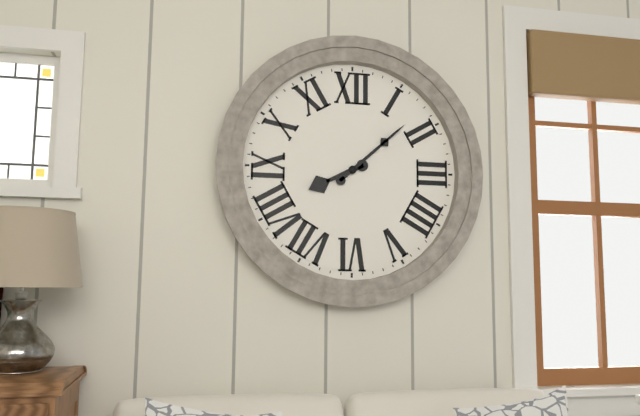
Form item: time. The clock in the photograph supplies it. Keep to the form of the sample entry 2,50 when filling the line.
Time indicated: 8,08
